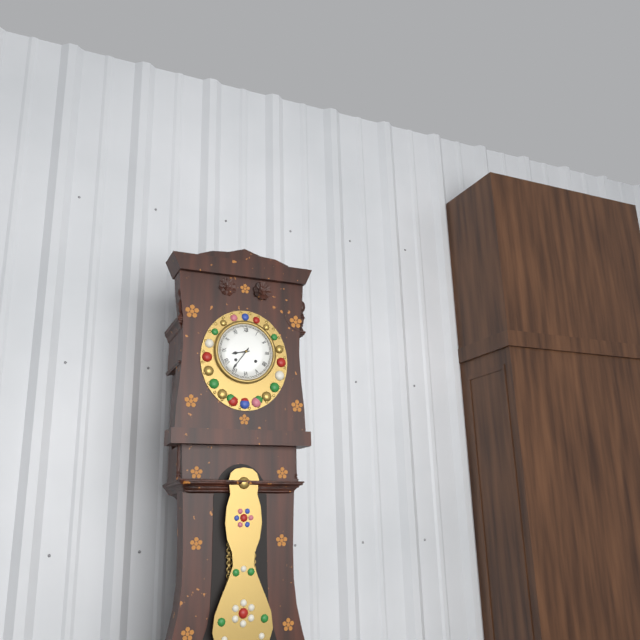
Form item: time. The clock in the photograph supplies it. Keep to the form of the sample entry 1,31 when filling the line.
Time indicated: 8,36
